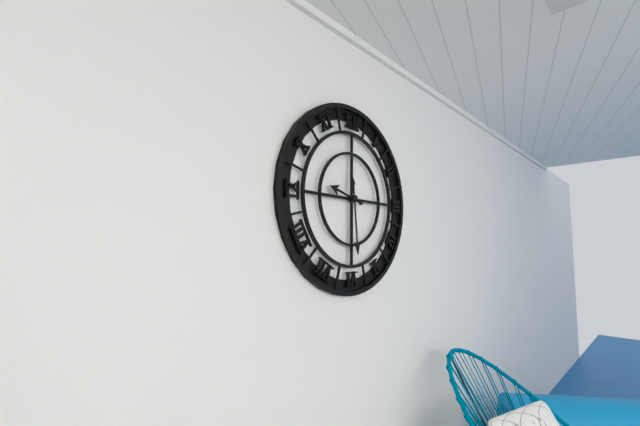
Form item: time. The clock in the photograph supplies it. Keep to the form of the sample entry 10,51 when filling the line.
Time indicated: 9,29
